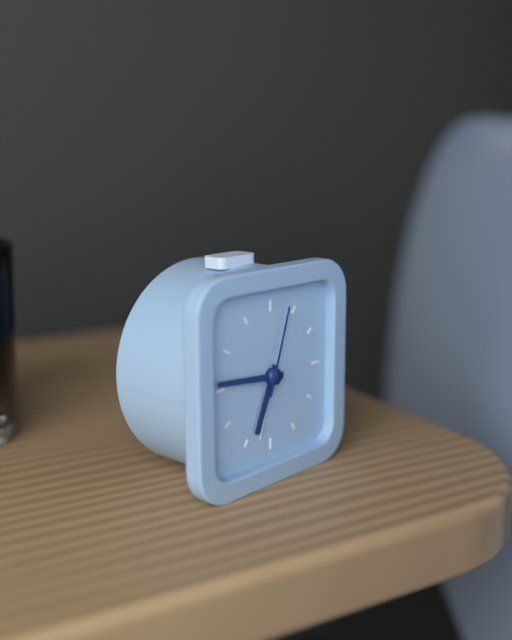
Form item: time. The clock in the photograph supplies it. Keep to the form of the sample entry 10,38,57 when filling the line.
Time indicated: 6,46,03
